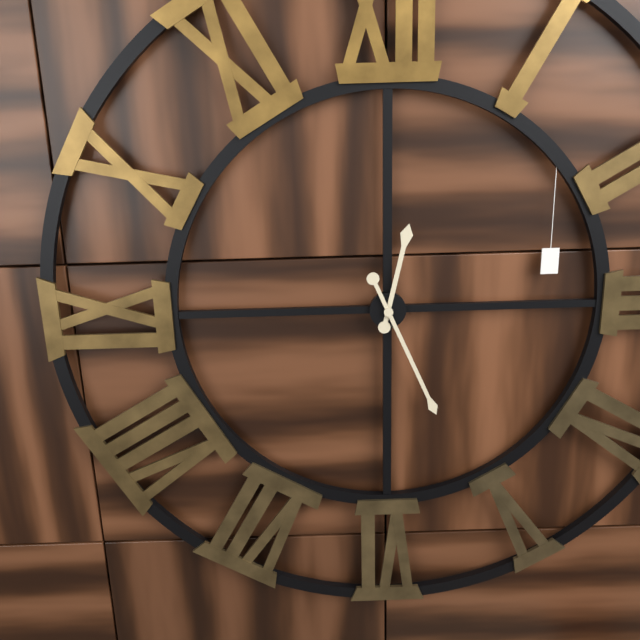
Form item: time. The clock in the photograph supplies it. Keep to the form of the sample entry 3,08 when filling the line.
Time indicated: 12,26
